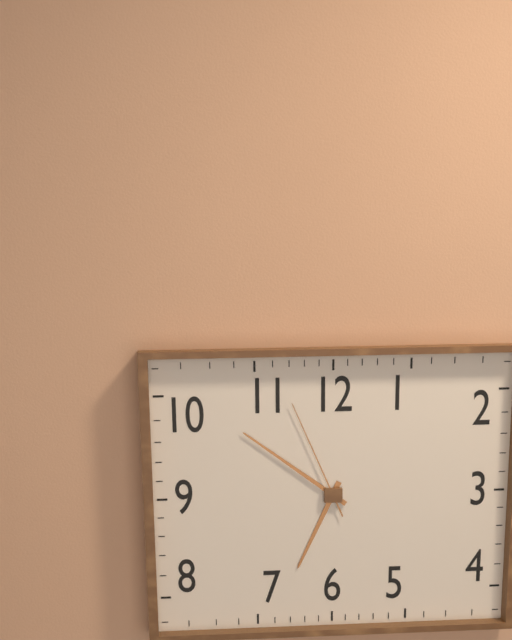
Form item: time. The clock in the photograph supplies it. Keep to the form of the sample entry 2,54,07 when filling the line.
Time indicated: 6,51,56
